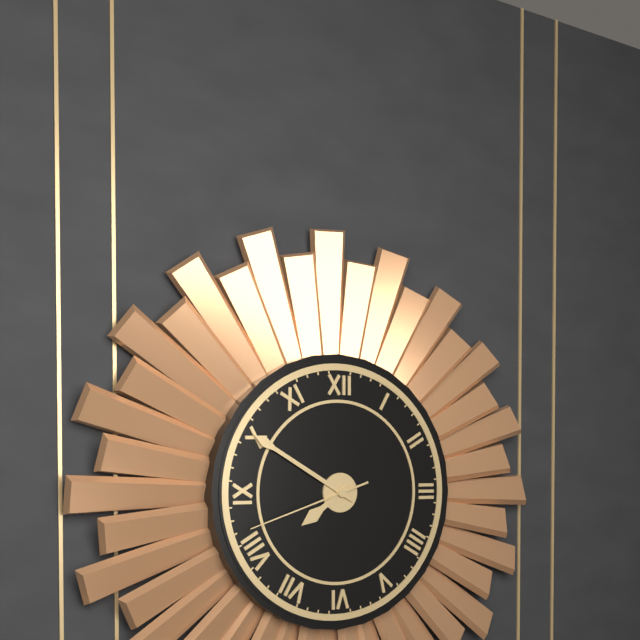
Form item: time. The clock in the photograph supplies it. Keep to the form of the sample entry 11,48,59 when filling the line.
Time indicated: 7,50,42
